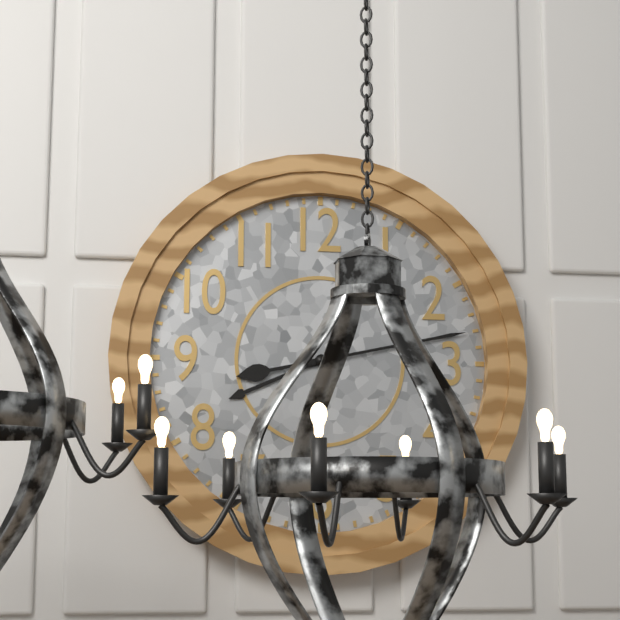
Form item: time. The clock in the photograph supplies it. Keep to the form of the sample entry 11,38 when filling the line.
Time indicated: 8,13
